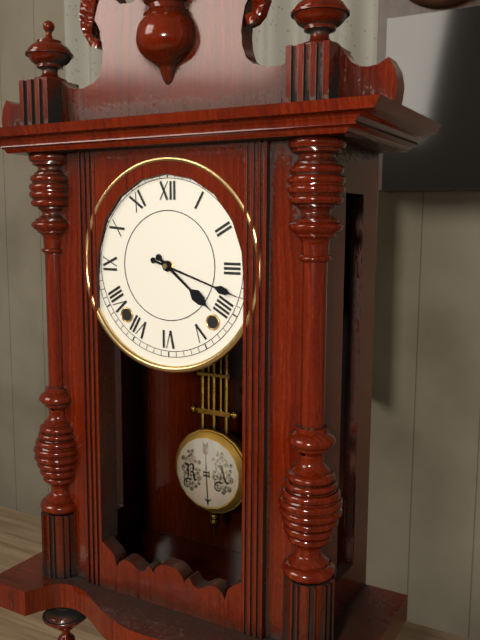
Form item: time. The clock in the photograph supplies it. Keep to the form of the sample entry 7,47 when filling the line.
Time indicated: 4,18
